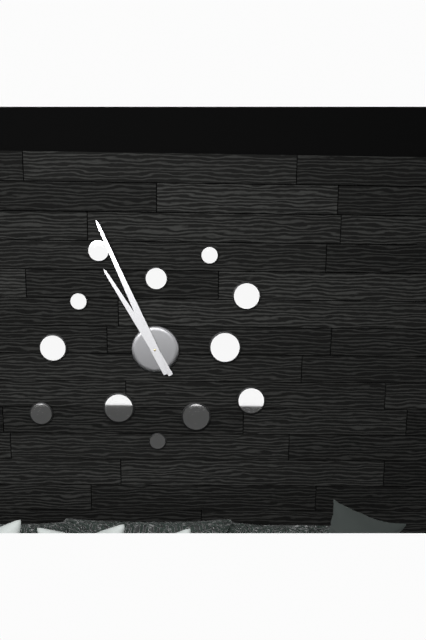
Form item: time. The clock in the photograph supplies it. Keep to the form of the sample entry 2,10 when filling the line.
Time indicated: 10,56
